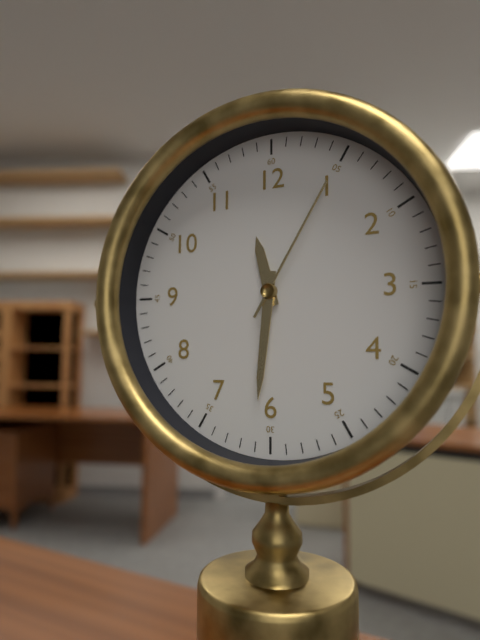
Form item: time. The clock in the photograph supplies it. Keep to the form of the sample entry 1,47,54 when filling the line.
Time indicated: 11,31,05
